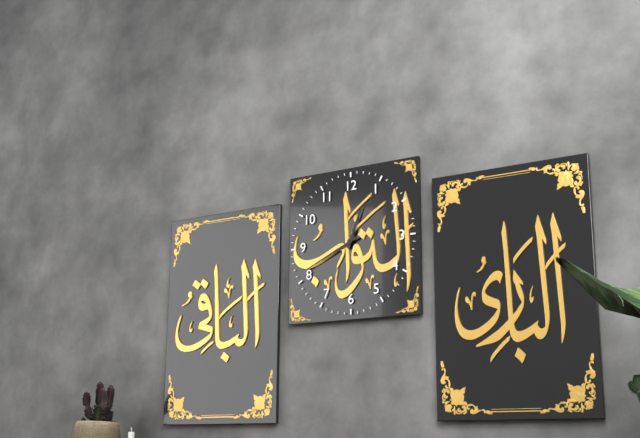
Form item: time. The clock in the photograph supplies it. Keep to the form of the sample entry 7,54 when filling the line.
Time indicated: 12,41
